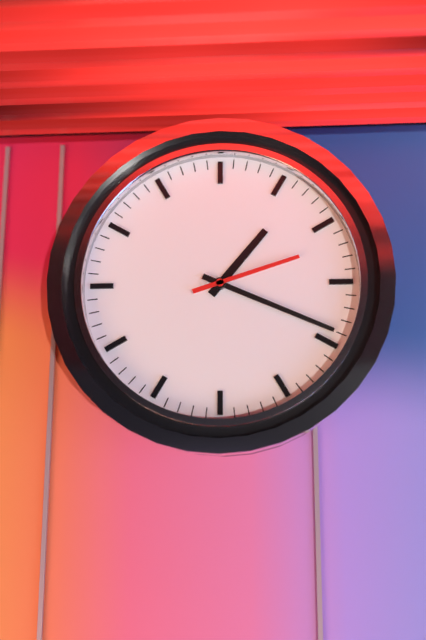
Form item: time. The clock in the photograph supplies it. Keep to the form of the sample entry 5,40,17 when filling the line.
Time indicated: 1,19,12
